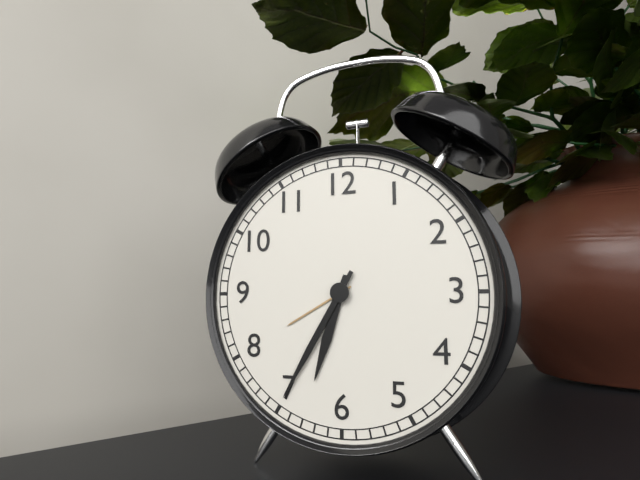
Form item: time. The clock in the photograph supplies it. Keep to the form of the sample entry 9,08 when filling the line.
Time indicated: 6,35
